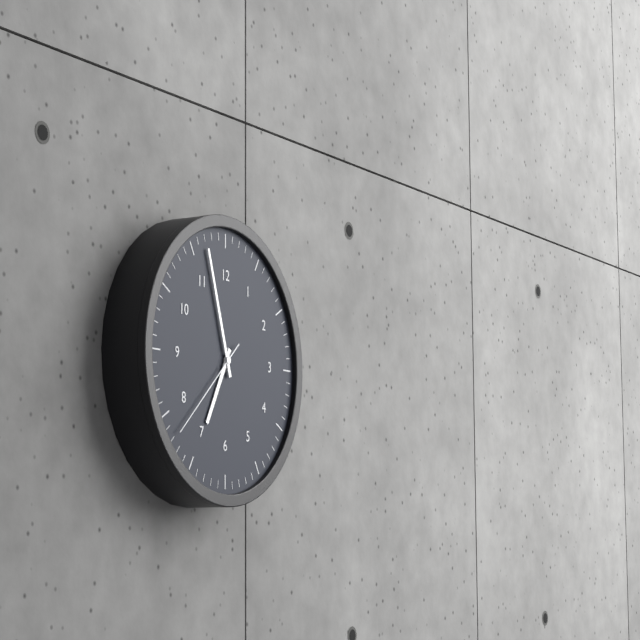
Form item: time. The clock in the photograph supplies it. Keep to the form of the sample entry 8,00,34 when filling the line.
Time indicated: 6,57,38
